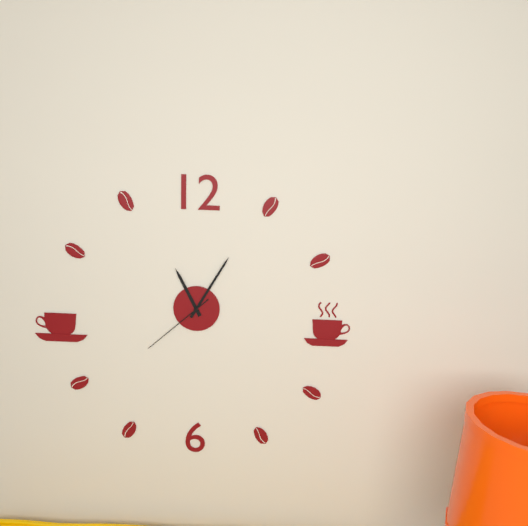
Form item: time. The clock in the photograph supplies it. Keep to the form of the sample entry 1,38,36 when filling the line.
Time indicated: 11,05,38
